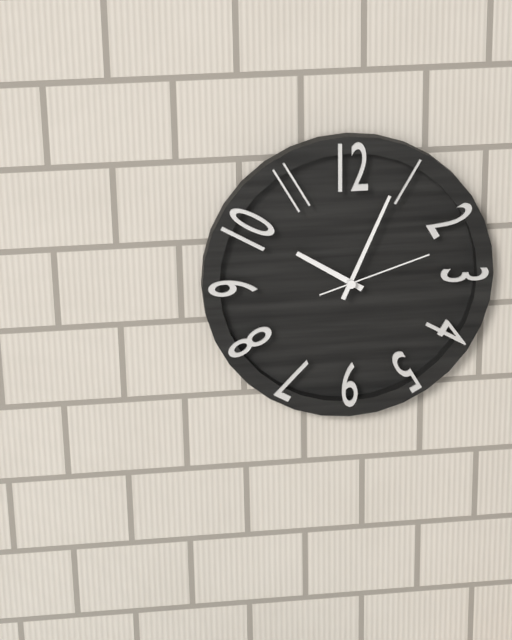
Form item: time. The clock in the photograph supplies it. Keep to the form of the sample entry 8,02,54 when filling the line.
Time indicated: 10,04,12
